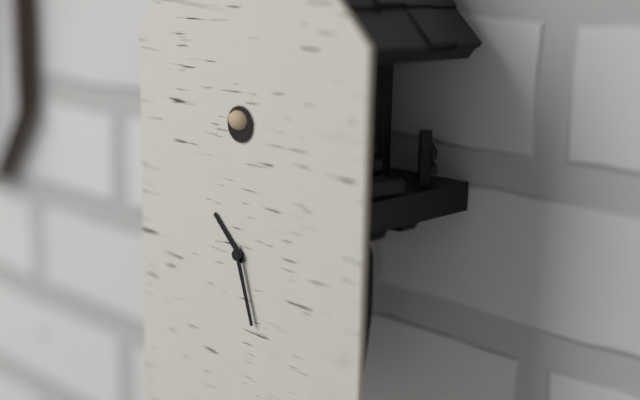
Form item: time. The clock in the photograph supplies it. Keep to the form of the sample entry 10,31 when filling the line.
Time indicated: 10,27
